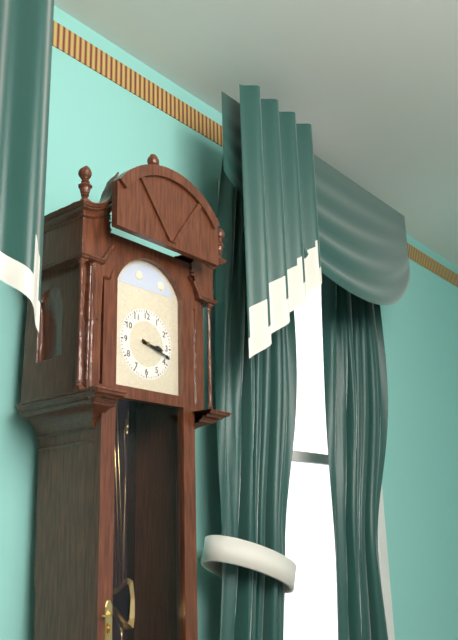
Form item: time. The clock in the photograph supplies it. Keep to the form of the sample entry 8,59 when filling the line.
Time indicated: 3,18
